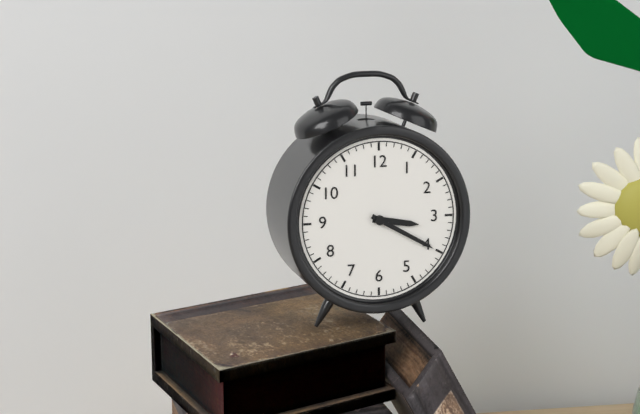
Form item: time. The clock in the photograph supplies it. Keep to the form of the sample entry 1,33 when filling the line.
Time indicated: 3,20
